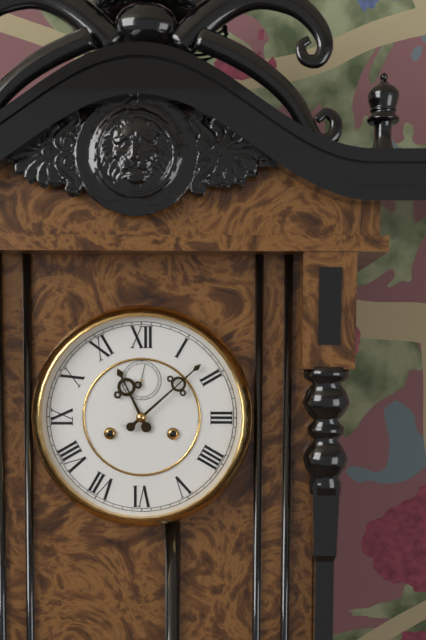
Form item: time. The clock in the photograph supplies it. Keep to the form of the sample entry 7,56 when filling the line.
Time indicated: 11,08
